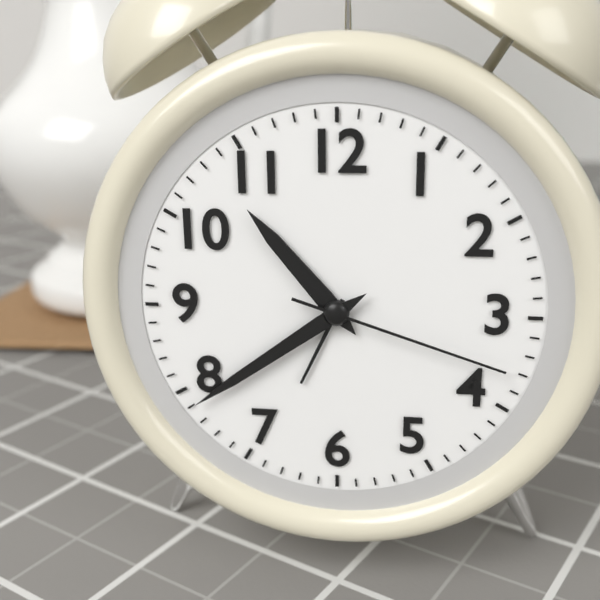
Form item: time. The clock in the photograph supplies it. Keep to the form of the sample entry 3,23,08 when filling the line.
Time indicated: 10,39,18
